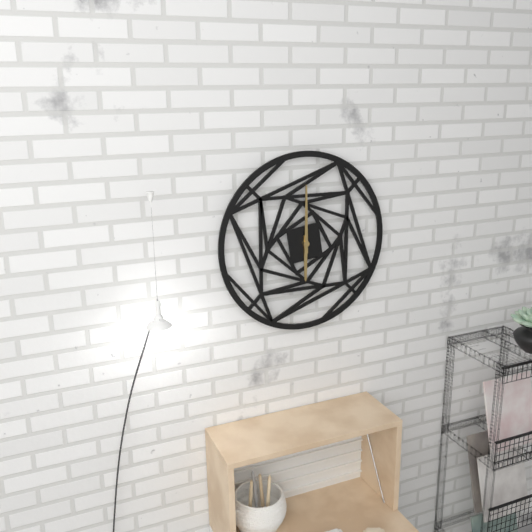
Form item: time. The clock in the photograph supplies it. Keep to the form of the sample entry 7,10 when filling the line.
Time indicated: 6,00
